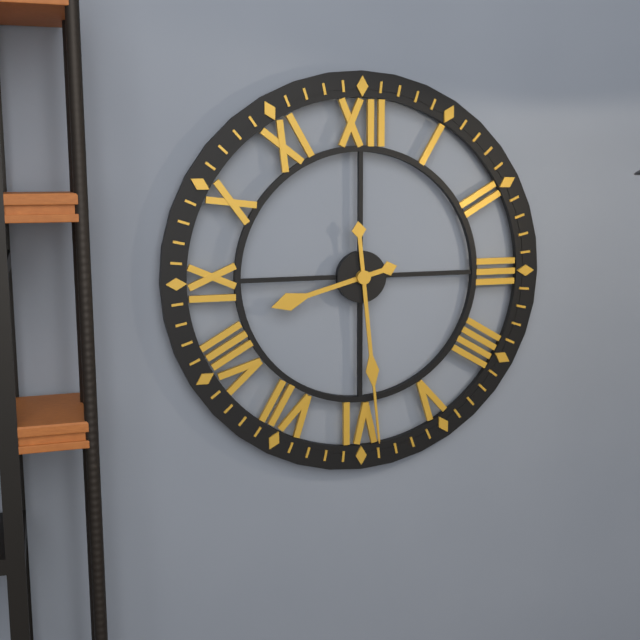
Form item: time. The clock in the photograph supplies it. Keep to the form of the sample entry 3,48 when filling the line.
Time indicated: 8,29
